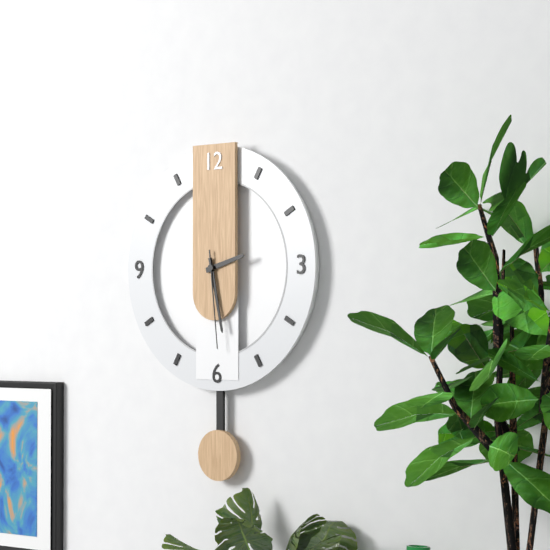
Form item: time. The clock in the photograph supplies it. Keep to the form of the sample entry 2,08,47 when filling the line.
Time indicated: 2,28,29
